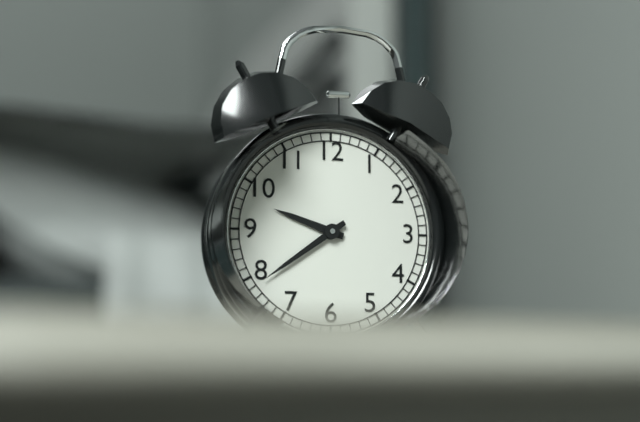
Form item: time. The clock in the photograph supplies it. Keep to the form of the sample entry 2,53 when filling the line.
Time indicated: 9,39
